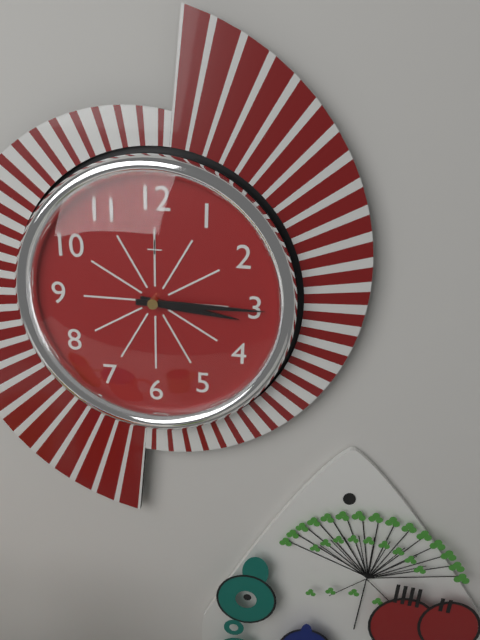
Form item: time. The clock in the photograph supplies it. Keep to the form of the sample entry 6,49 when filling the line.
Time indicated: 3,15
